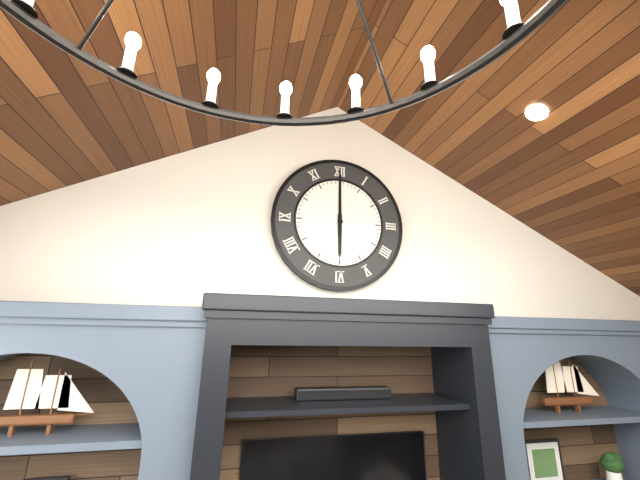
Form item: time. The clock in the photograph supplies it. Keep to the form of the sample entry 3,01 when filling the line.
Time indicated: 6,00
